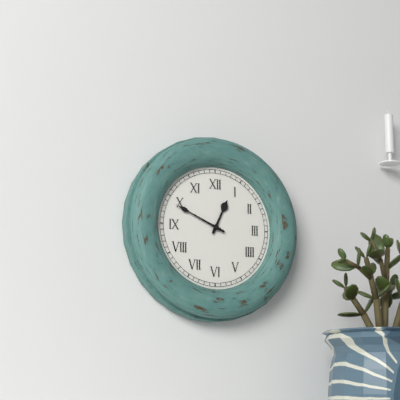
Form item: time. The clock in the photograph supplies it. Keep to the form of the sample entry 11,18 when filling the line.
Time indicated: 12,49
